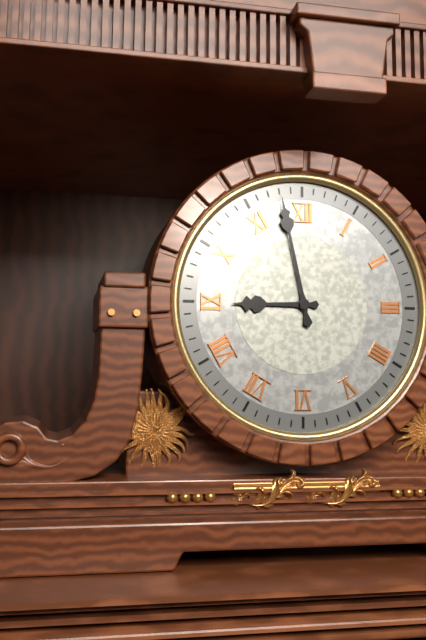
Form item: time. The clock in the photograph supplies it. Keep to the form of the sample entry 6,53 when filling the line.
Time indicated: 8,58
